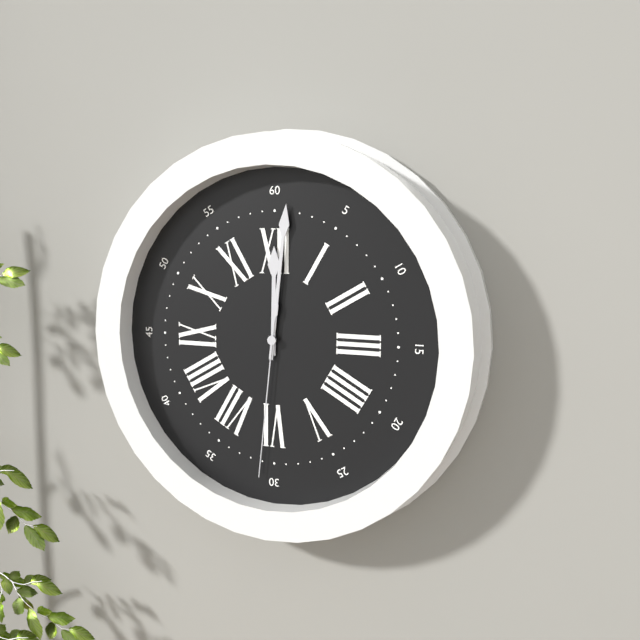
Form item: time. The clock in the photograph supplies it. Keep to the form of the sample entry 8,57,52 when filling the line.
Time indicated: 12,01,31
